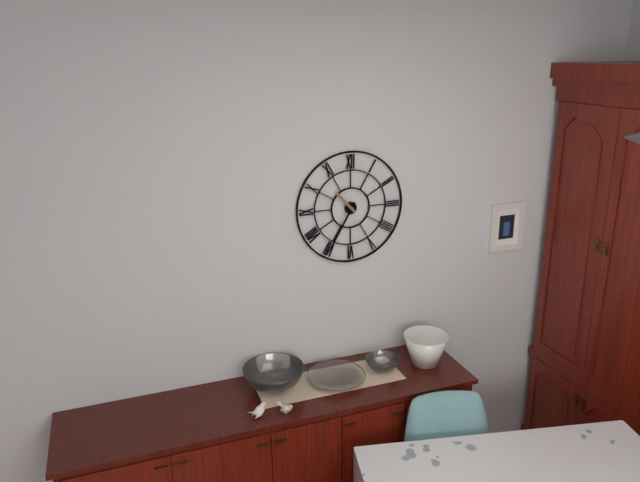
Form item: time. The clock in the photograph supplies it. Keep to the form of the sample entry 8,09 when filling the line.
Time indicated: 10,35
